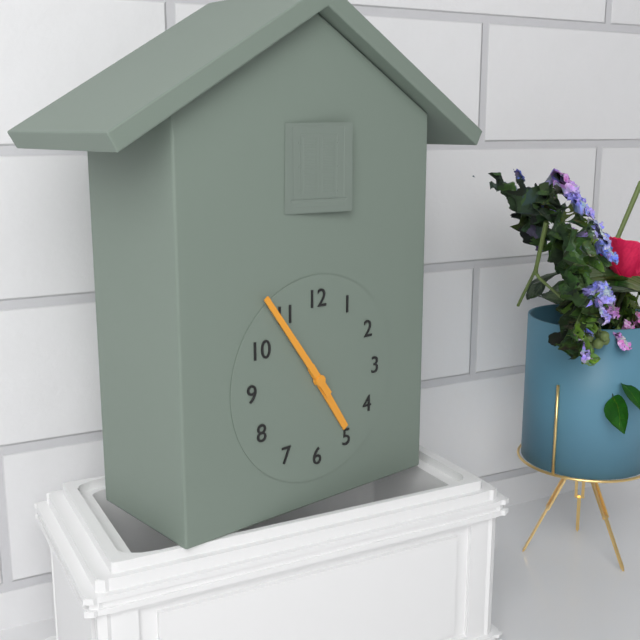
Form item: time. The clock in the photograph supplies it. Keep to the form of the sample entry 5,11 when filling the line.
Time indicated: 4,54
